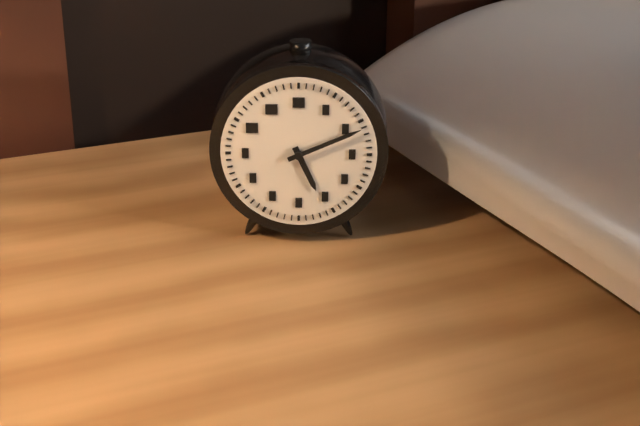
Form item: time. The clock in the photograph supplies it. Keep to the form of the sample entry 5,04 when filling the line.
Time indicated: 5,11
